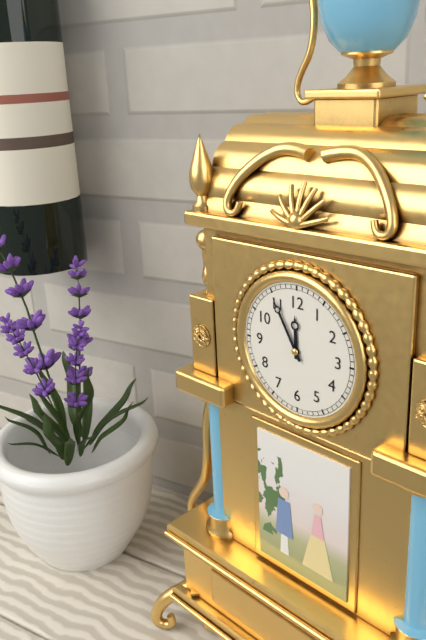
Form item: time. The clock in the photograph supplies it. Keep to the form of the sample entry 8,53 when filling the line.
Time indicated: 11,55
